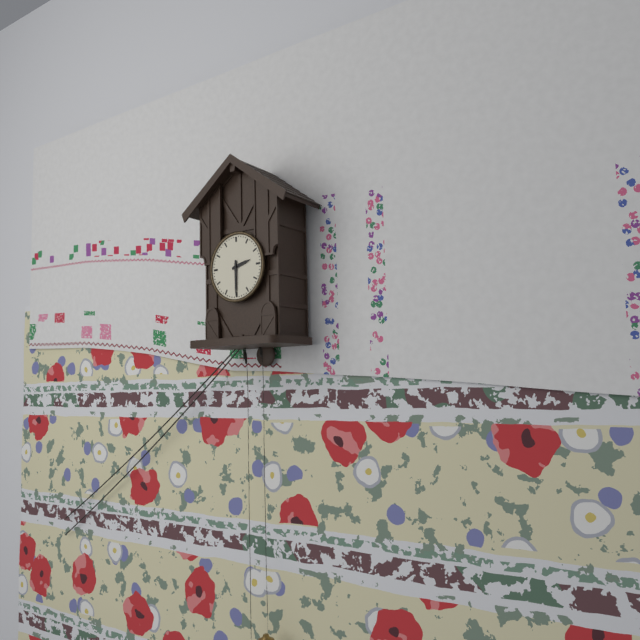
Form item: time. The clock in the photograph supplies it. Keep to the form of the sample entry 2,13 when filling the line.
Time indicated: 2,30
